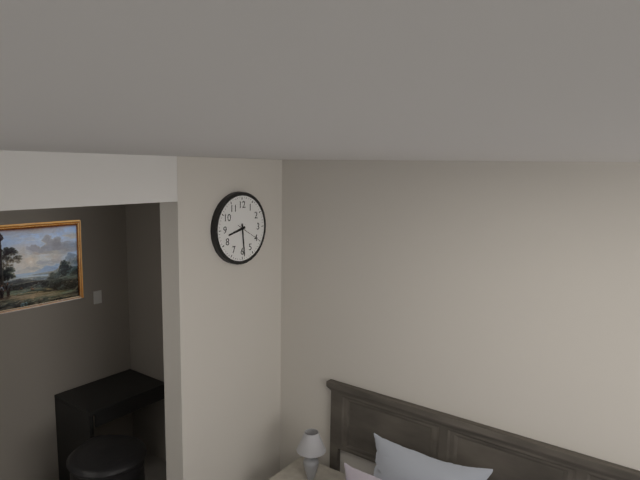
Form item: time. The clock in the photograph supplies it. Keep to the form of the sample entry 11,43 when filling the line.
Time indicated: 8,29
